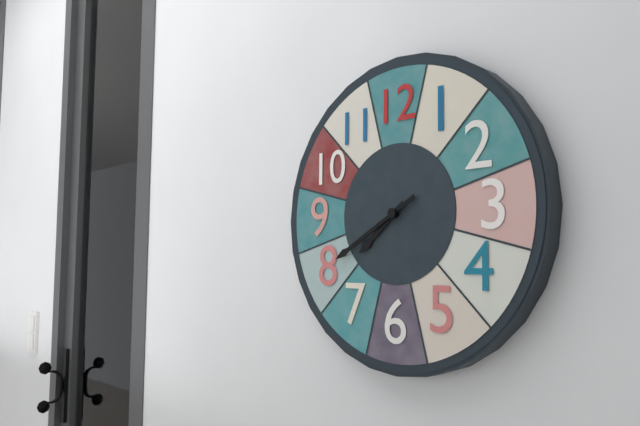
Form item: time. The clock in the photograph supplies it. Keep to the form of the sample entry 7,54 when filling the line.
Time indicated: 7,40
